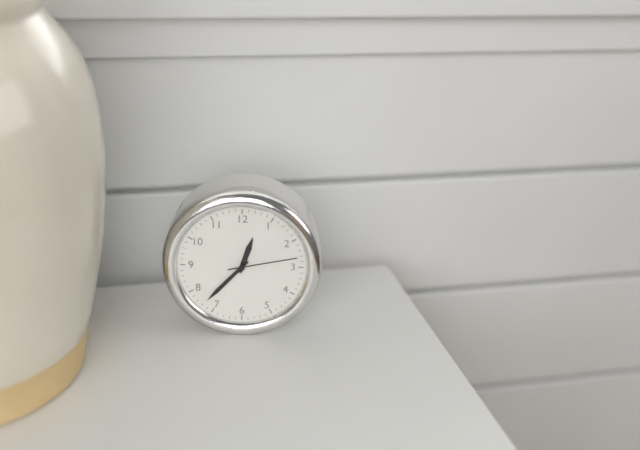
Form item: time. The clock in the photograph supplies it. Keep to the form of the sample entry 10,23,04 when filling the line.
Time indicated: 12,37,13
